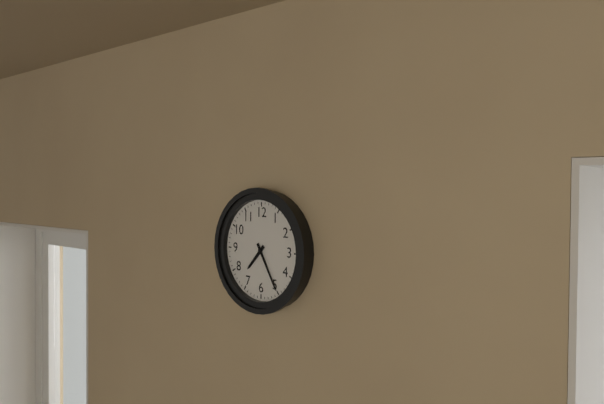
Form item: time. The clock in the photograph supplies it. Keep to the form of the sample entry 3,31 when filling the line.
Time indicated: 7,25
